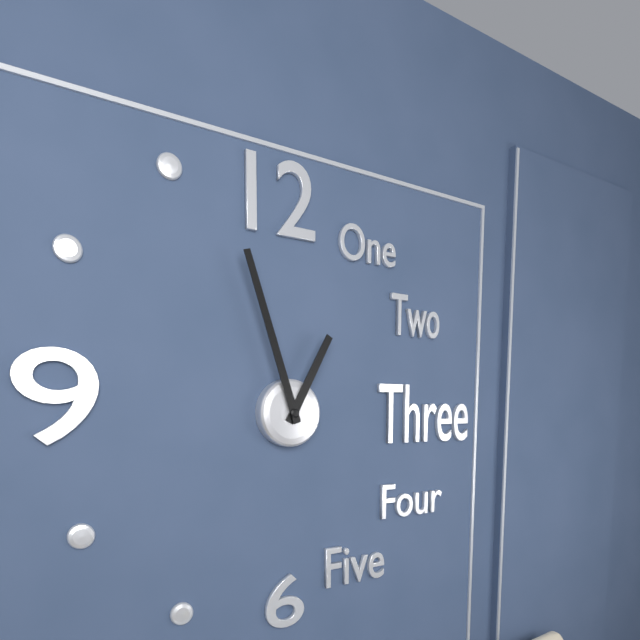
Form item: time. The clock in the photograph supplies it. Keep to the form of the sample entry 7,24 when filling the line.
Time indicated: 12,57
